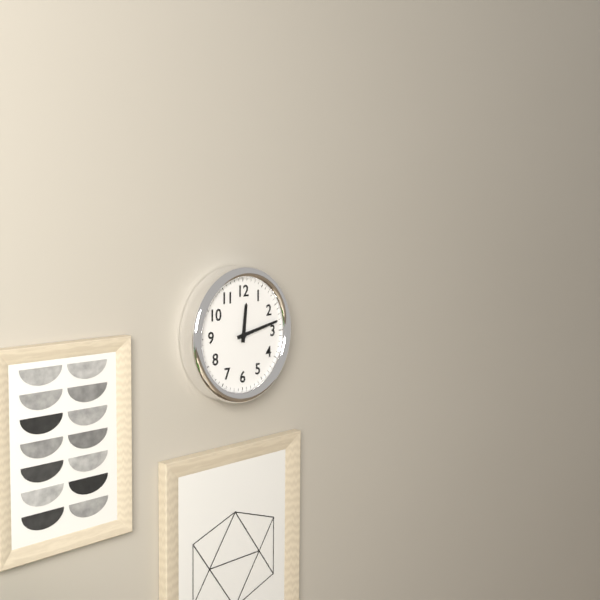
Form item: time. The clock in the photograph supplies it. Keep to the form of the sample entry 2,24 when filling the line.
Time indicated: 12,13
